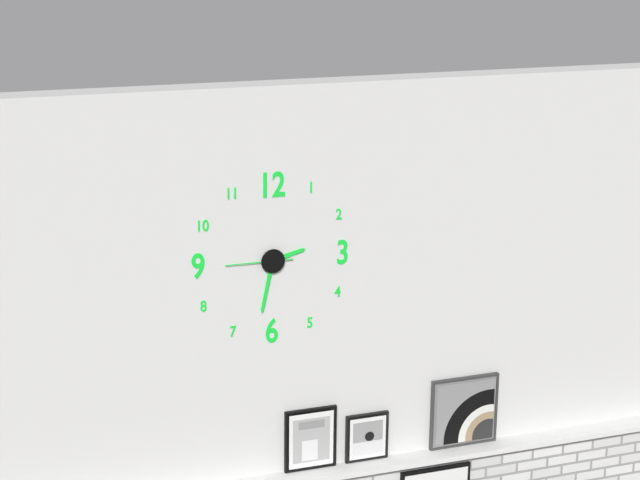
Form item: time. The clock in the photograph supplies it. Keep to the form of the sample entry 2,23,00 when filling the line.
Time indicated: 2,32,45
